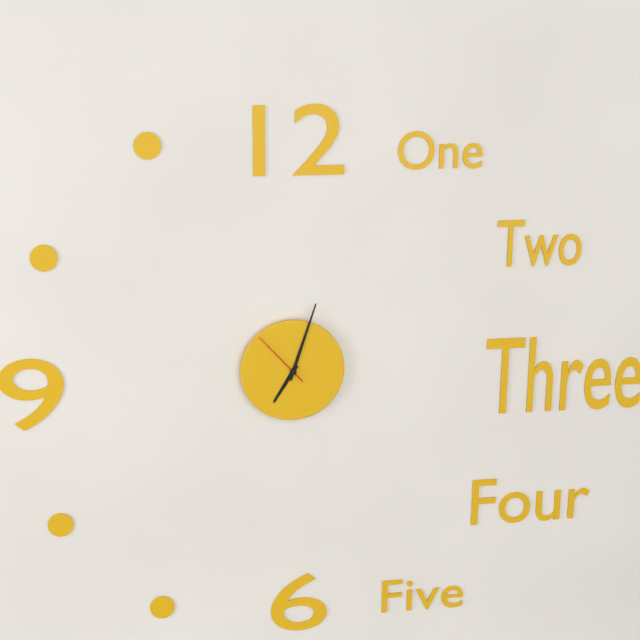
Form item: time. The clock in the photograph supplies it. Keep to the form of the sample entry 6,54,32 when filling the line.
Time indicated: 7,03,53
